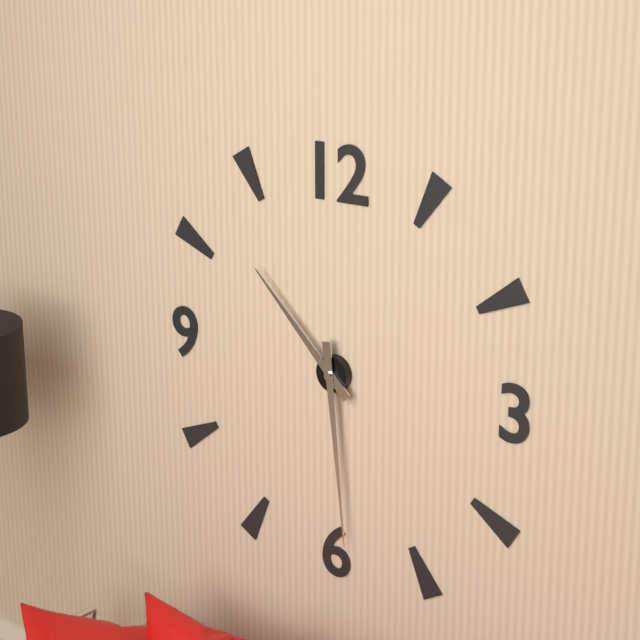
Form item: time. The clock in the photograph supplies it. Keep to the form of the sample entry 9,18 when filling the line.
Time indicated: 10,29
